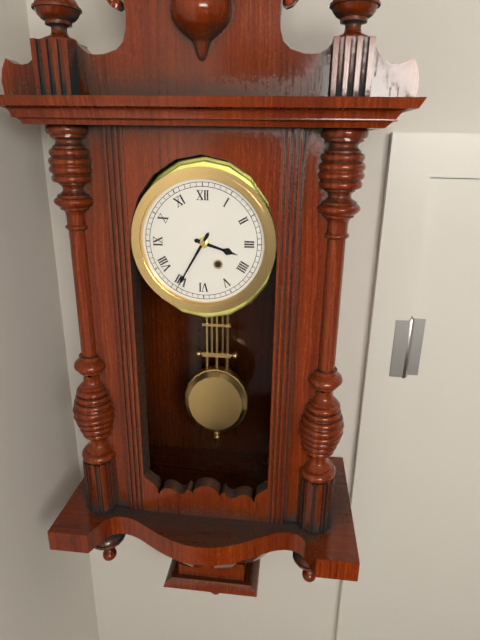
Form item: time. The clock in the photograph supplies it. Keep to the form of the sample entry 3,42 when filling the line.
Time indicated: 3,35
